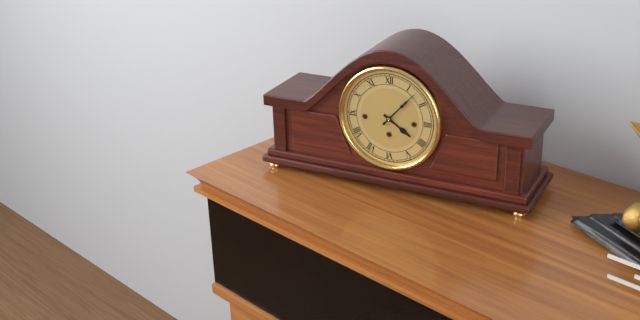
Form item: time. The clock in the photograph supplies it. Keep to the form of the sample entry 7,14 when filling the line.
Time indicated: 4,07
